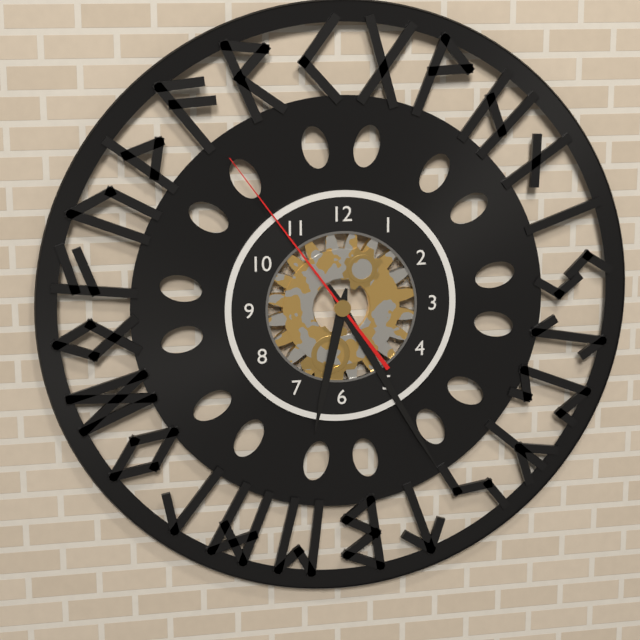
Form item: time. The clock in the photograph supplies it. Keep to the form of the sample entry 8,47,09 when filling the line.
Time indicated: 6,25,54
